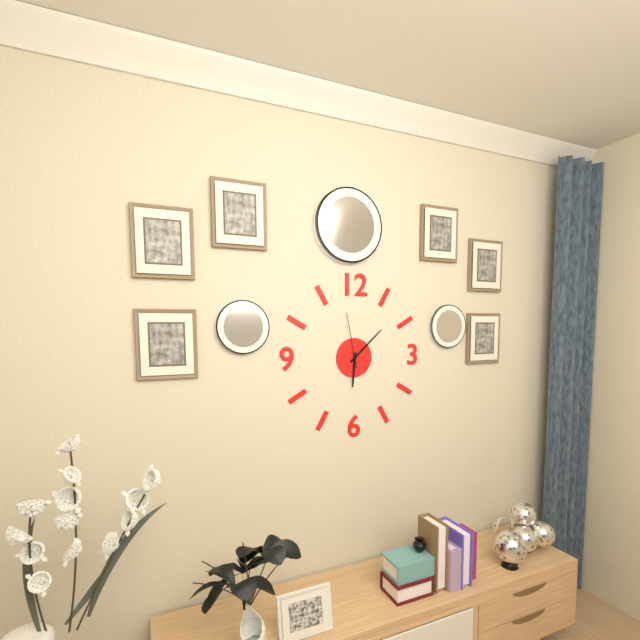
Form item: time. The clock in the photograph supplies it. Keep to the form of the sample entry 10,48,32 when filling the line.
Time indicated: 6,08,58
